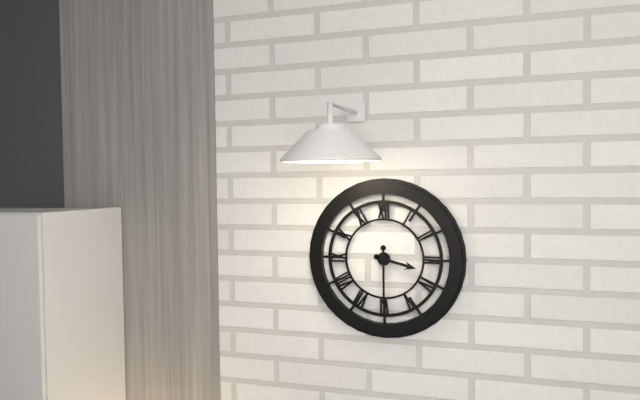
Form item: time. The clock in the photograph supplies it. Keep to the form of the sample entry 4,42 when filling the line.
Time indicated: 3,30
